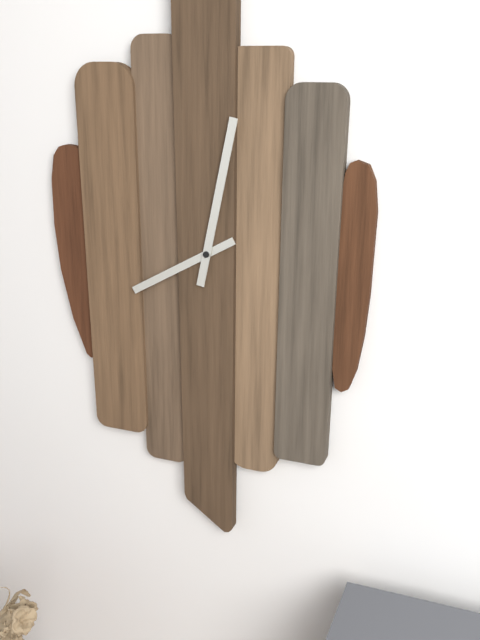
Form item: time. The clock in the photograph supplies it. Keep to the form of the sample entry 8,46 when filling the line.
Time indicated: 8,02
